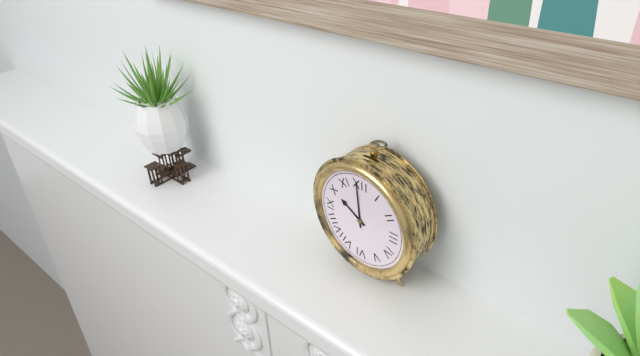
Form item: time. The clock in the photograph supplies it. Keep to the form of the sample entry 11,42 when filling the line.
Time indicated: 9,59
